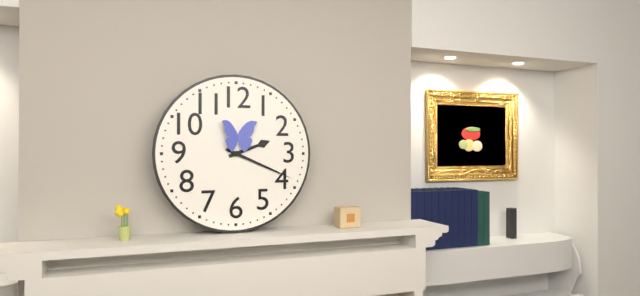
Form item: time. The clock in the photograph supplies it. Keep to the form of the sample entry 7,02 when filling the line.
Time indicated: 2,19
